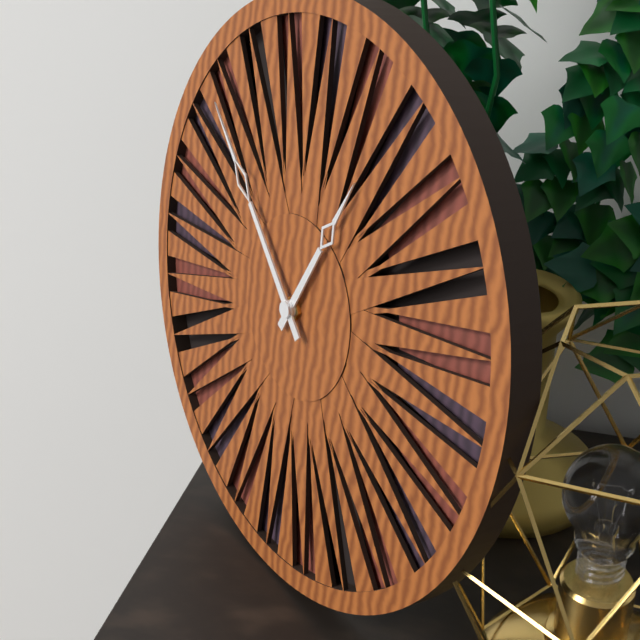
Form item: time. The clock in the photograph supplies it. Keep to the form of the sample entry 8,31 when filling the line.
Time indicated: 12,52
